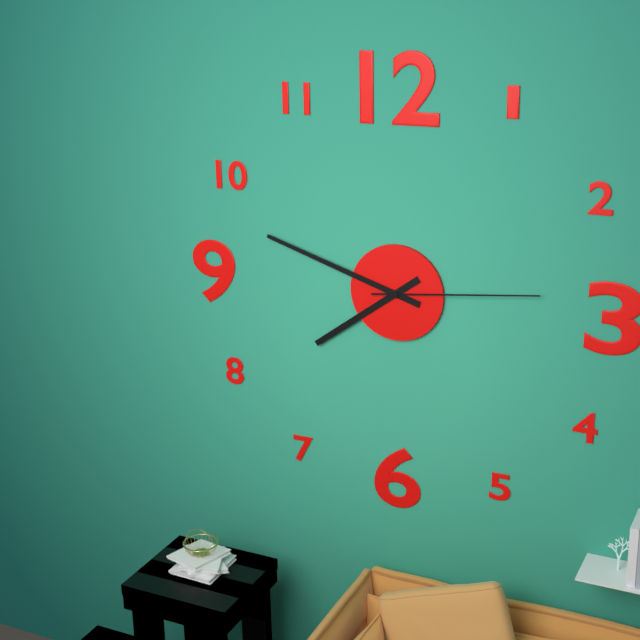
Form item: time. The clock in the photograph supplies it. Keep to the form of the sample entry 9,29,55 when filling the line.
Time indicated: 7,48,14
